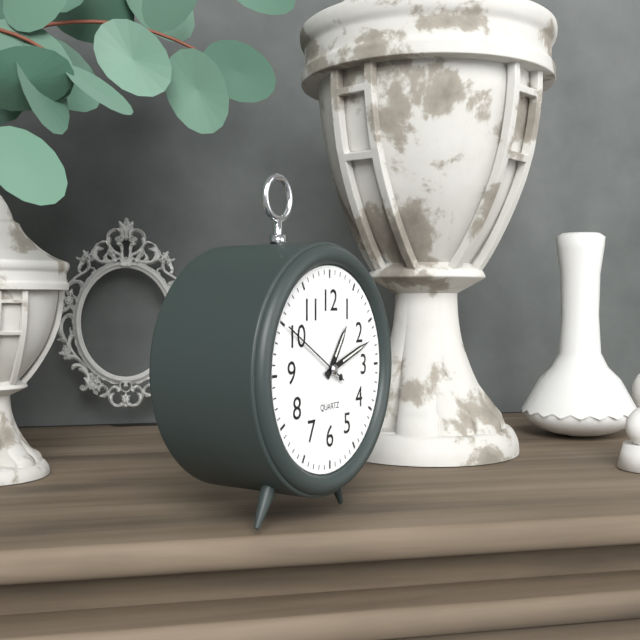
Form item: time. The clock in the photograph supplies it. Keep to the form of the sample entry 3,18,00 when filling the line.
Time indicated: 1,12,50
